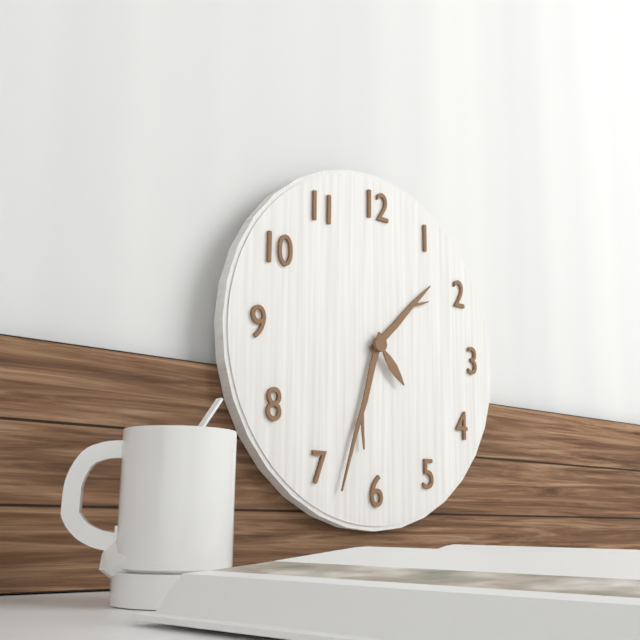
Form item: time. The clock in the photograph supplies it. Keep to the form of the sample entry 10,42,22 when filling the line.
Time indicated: 1,33,23
